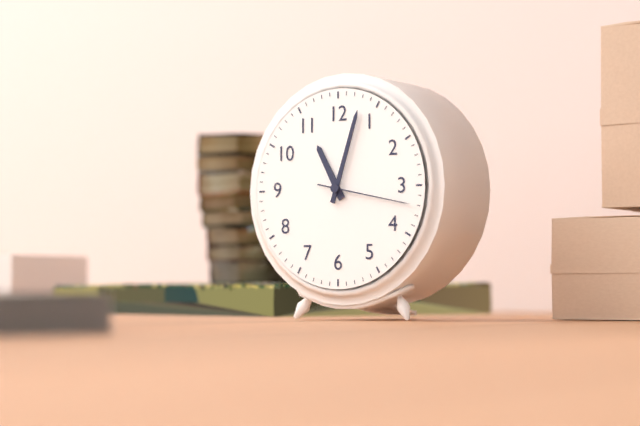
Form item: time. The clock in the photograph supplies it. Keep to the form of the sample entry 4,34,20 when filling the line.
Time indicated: 11,03,17
